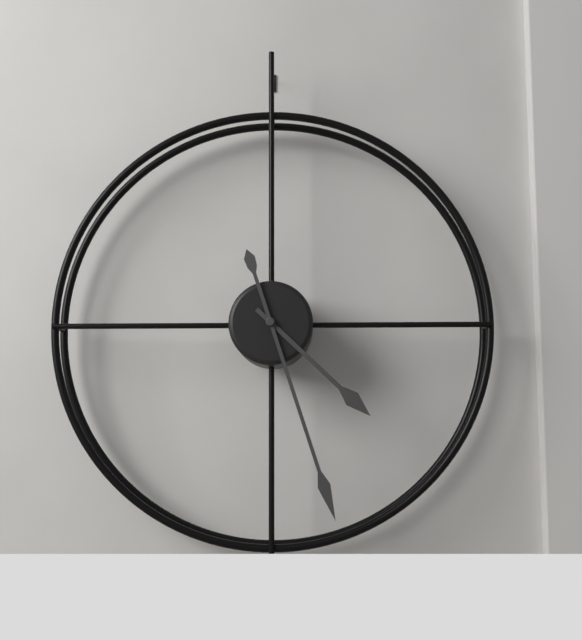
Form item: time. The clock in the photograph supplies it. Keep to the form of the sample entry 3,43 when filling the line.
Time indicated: 4,27
